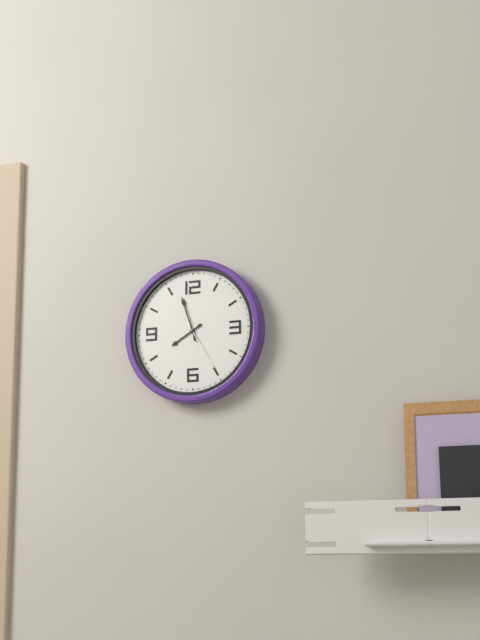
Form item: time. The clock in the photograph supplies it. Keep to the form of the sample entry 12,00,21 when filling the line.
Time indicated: 7,57,25
